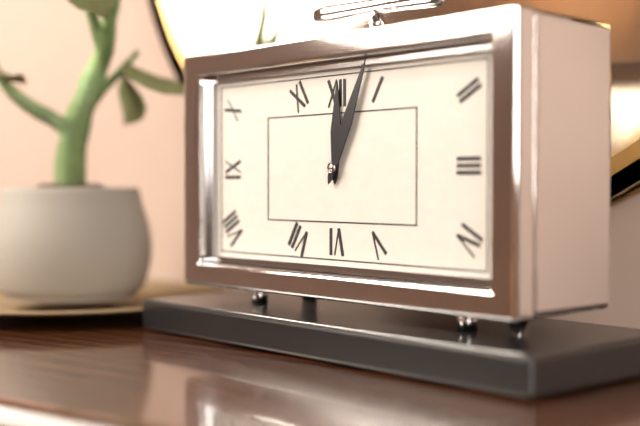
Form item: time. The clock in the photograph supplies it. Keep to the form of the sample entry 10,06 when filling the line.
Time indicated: 12,04
